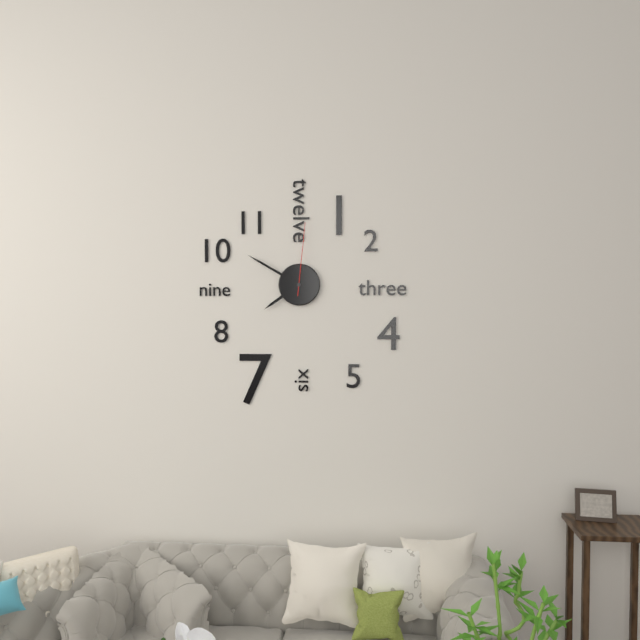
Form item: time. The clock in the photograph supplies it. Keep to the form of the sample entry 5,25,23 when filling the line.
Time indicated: 7,50,01
